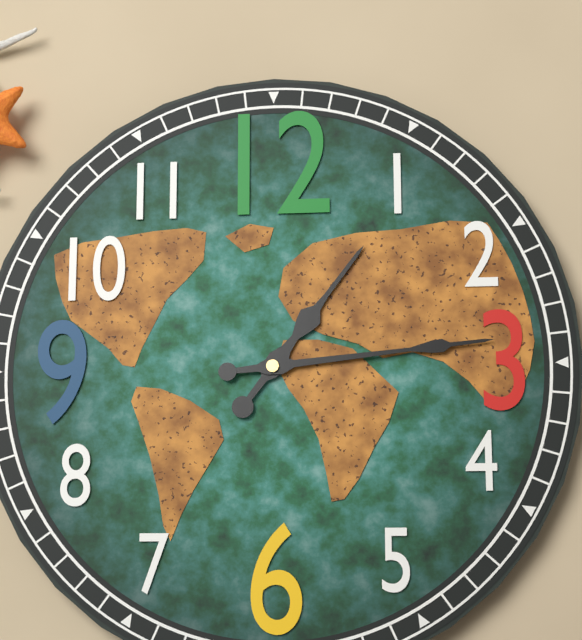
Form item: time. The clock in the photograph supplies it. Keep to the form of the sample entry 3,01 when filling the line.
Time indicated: 1,14
